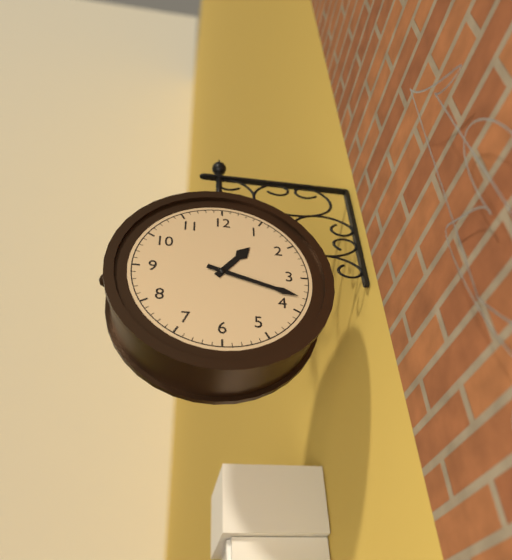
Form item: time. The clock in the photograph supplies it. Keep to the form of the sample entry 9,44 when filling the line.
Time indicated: 1,18
